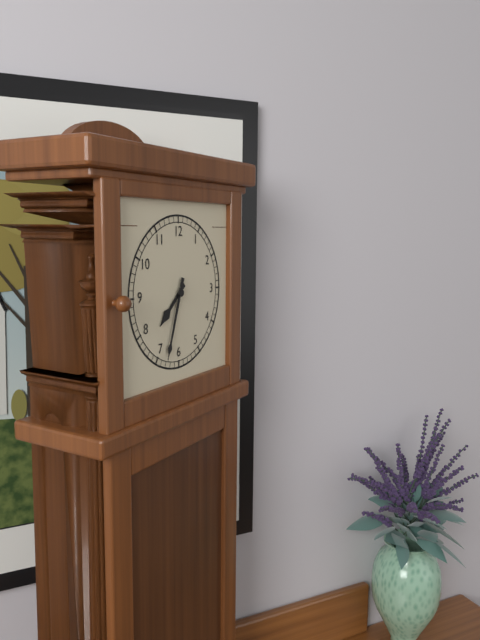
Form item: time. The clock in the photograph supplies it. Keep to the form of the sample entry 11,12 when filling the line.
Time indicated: 7,33
